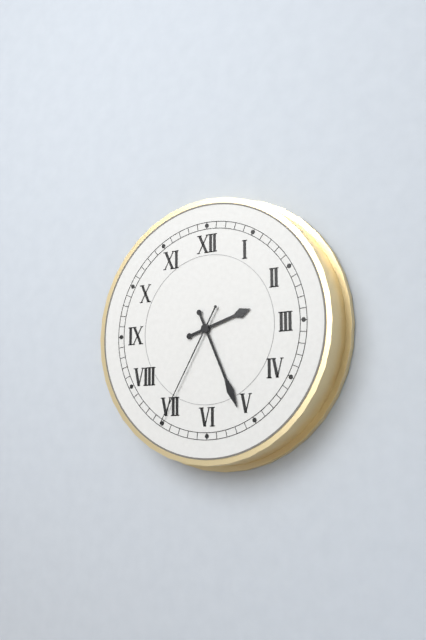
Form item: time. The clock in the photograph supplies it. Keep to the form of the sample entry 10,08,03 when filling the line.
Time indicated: 2,26,35
